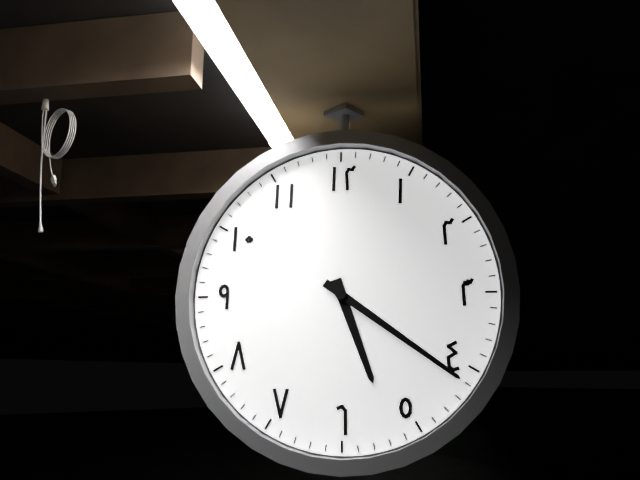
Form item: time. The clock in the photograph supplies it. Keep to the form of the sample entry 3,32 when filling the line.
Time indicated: 5,21
